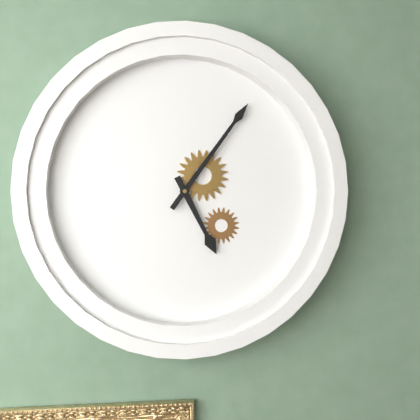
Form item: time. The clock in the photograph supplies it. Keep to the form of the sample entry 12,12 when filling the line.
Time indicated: 5,06
